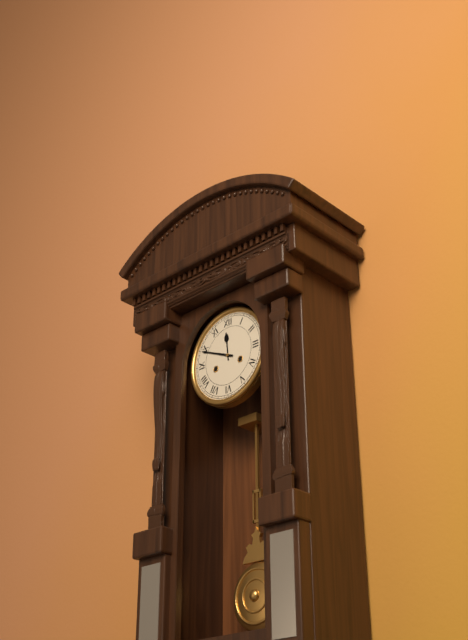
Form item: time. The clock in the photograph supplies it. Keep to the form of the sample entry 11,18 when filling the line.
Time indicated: 11,49
